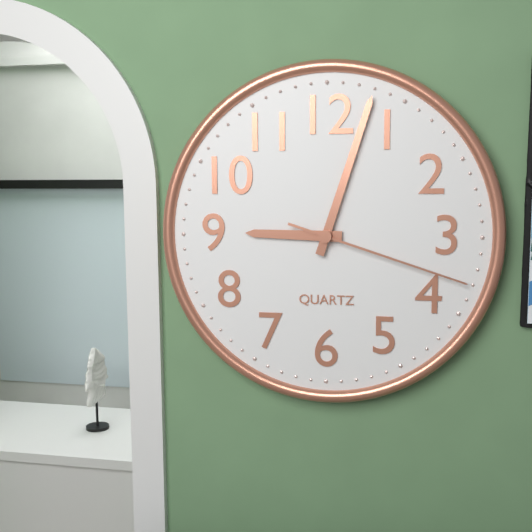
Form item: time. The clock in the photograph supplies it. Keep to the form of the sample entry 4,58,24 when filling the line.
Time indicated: 9,03,18
